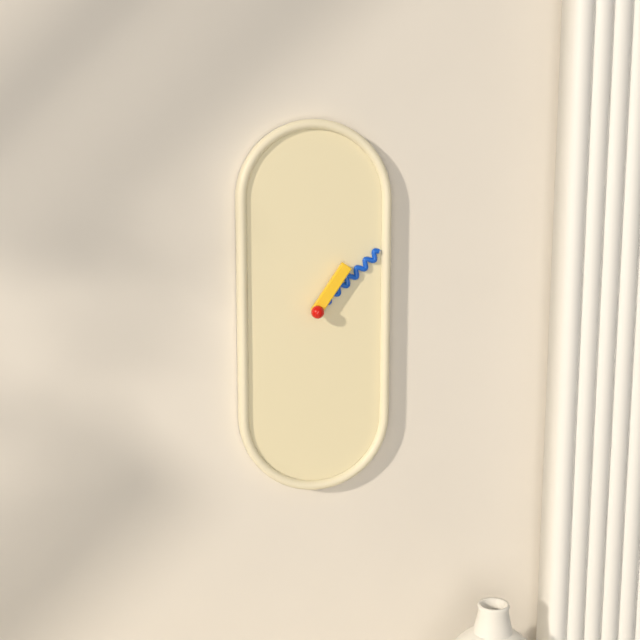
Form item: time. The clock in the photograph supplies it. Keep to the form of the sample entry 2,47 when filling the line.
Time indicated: 1,08
